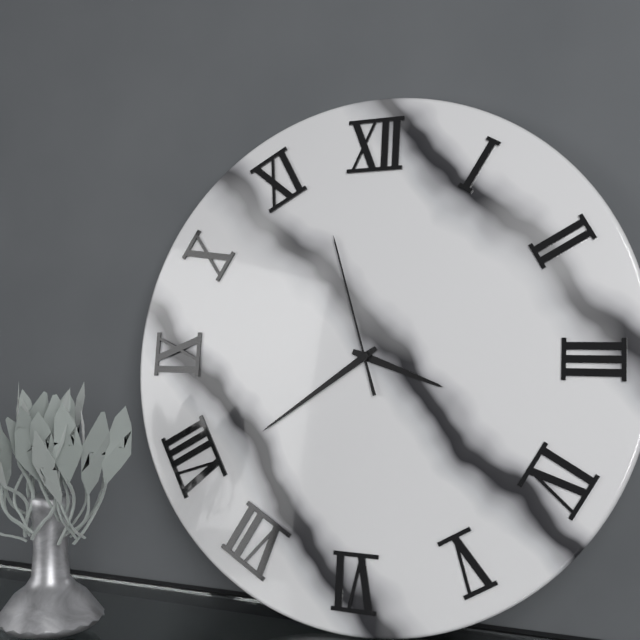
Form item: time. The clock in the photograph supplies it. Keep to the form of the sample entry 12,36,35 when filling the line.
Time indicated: 3,39,57
